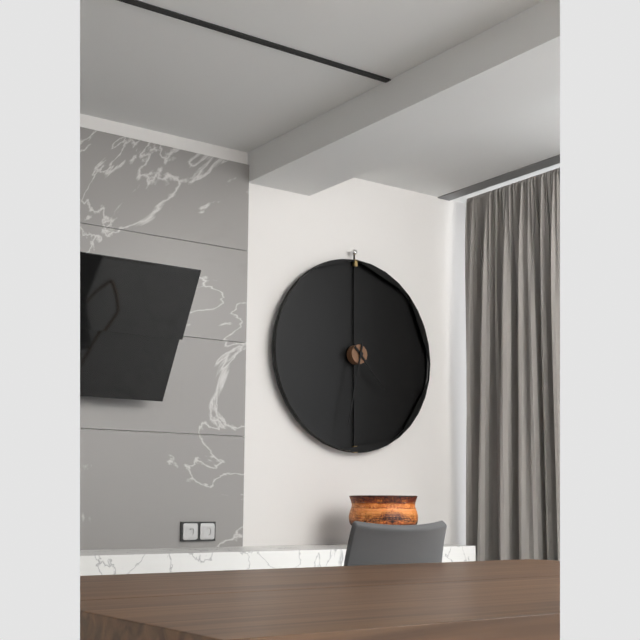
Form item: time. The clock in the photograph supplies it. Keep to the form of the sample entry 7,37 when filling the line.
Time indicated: 4,32
